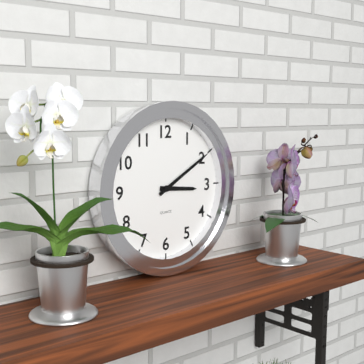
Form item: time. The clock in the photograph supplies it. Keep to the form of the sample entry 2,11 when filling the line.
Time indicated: 3,10
